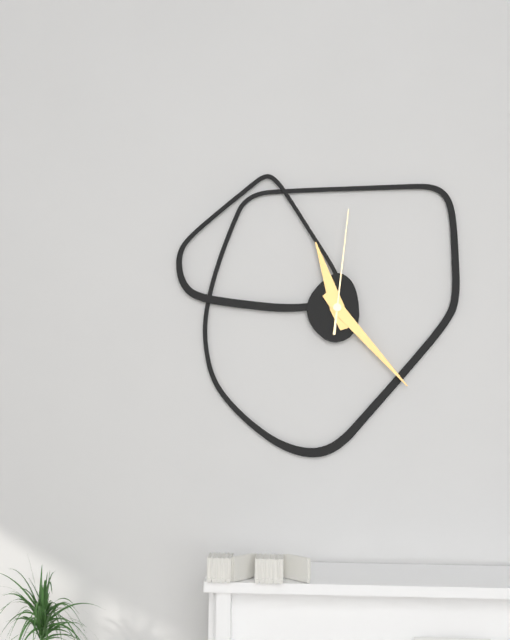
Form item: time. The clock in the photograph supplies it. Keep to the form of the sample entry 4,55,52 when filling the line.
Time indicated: 11,23,01
